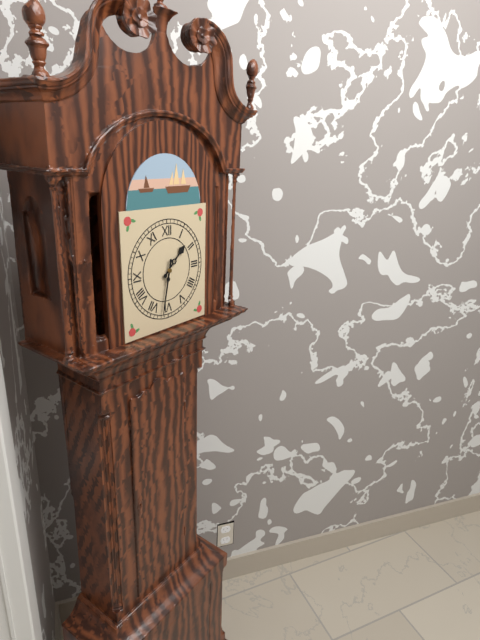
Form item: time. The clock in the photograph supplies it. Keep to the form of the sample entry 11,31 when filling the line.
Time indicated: 1,32
